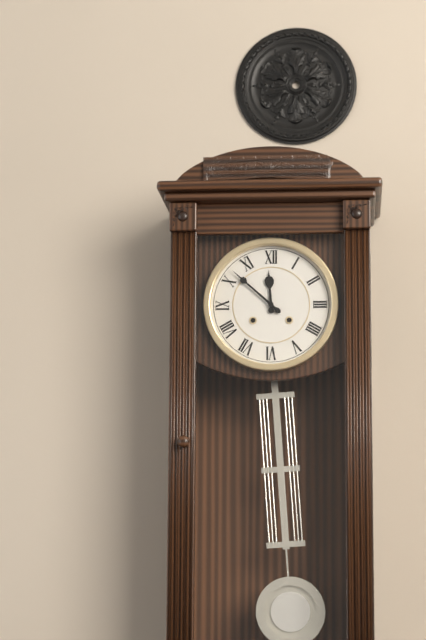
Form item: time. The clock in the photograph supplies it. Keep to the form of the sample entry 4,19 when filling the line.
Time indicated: 11,52
